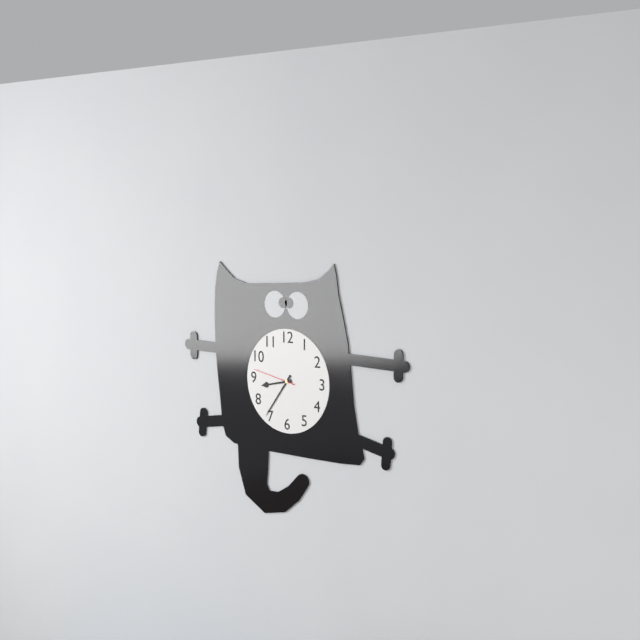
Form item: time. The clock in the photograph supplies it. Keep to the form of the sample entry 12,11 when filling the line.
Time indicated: 8,36
